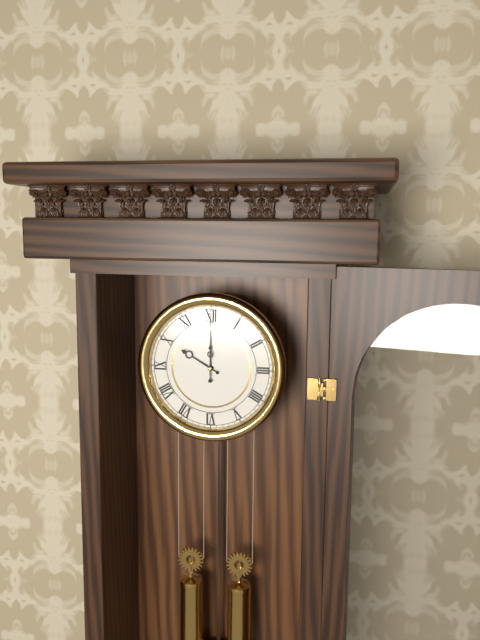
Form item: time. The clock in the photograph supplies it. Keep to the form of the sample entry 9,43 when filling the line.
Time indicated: 10,00
